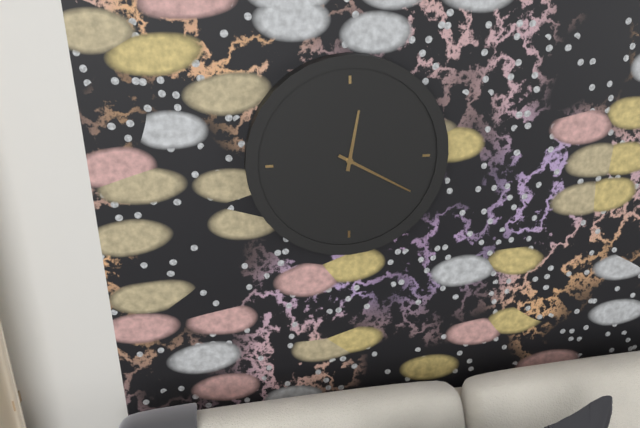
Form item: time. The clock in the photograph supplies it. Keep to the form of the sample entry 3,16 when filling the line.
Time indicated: 12,20
